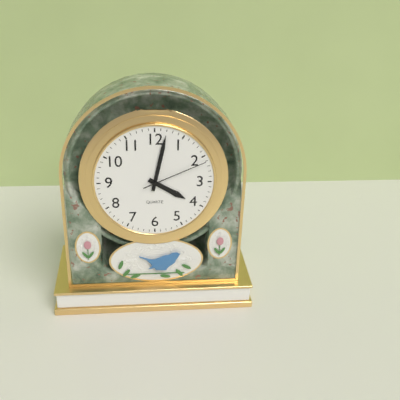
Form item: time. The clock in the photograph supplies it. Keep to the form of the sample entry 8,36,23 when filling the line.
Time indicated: 4,02,11
